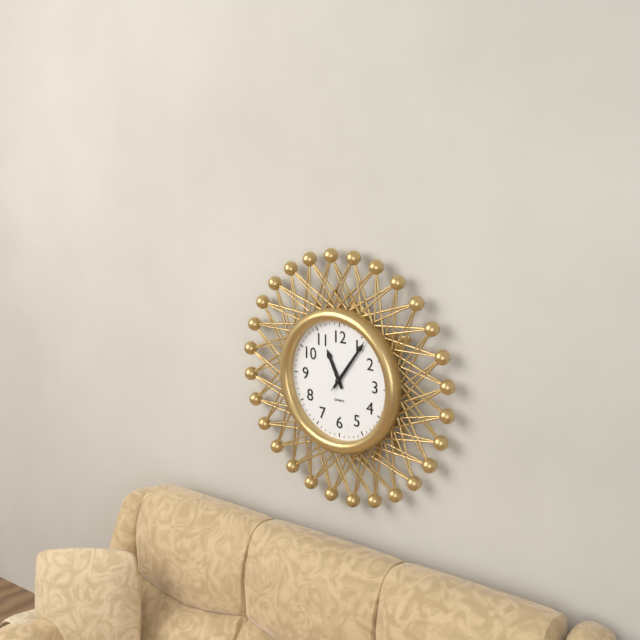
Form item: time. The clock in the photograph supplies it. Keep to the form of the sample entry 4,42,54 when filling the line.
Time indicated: 11,06,06
